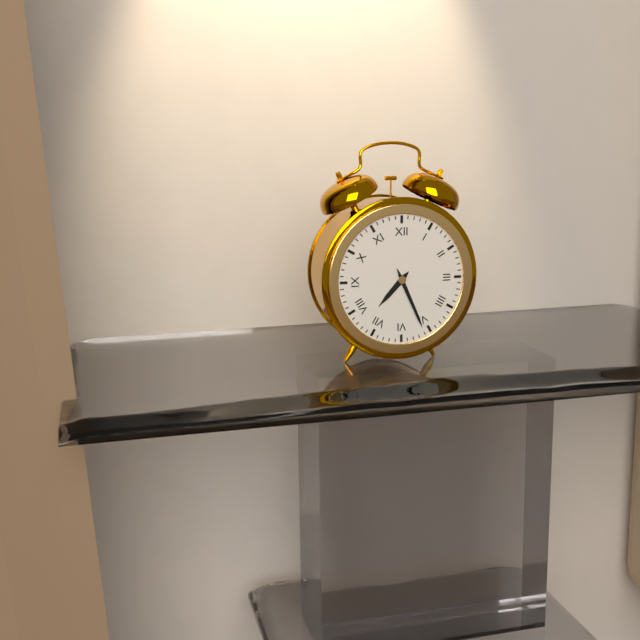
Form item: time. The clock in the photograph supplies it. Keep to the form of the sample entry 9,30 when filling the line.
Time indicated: 7,26
